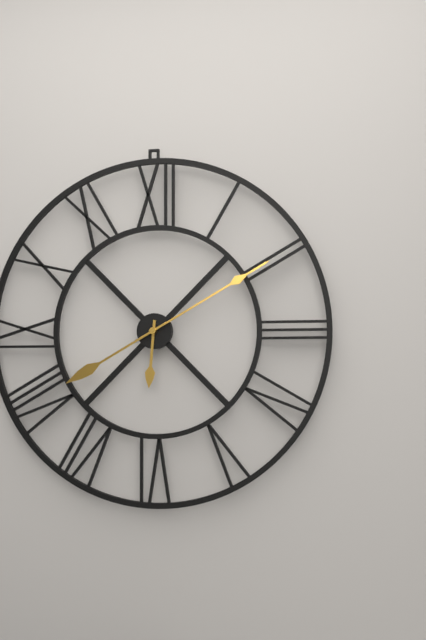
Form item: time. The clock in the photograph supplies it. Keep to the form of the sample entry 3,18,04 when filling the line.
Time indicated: 6,10,40
